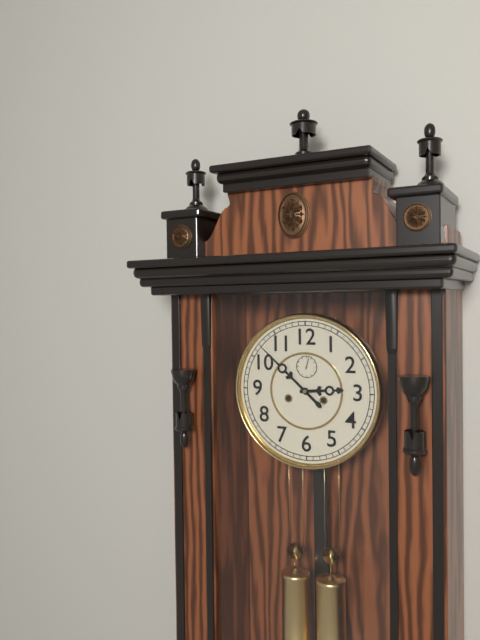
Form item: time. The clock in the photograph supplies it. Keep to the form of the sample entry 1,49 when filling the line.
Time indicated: 2,52
